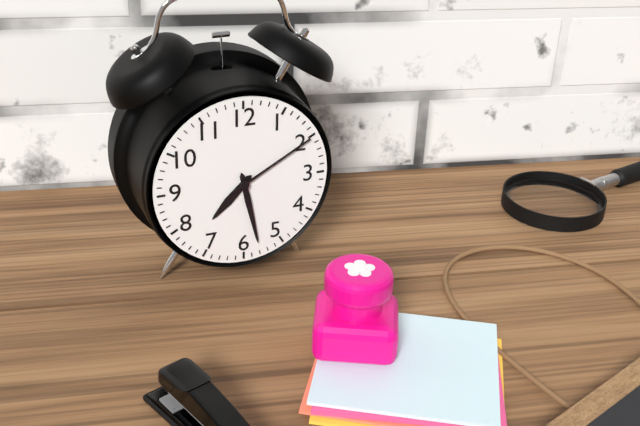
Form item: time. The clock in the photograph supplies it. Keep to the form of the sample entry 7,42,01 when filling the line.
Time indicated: 7,28,10
